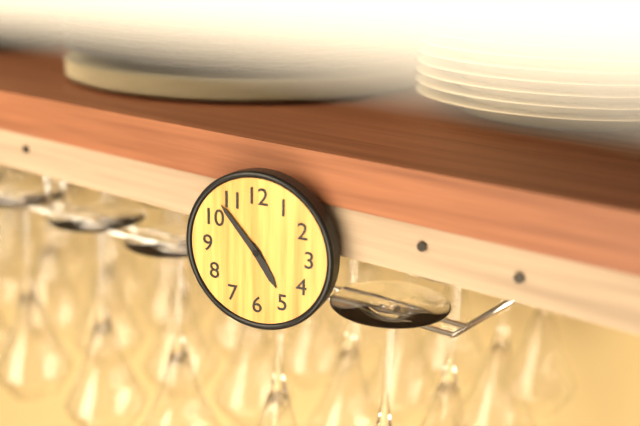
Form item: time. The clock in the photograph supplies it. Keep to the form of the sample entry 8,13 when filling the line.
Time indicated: 4,53
